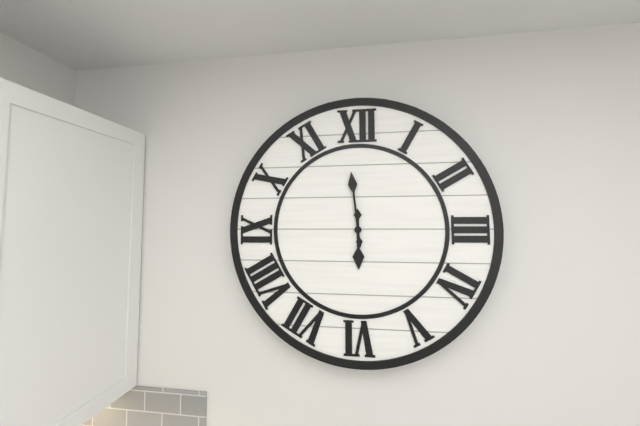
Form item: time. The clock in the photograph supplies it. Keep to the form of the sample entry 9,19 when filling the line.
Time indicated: 5,59
